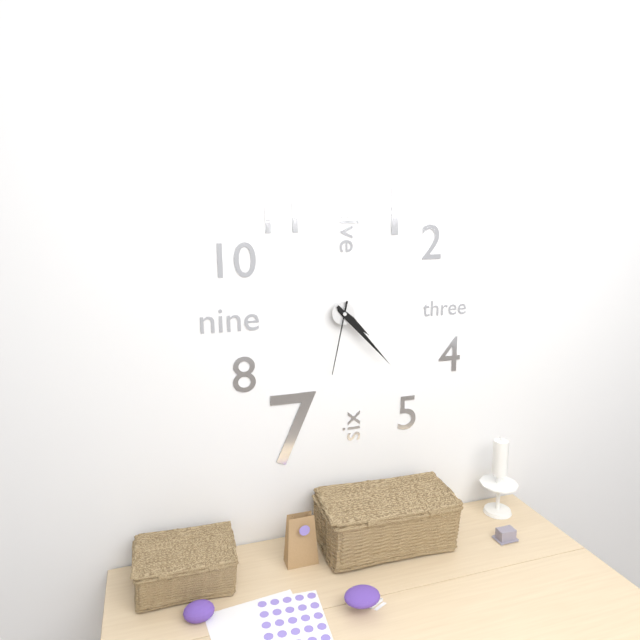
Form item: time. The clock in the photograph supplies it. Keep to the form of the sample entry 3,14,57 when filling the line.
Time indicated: 4,23,32
